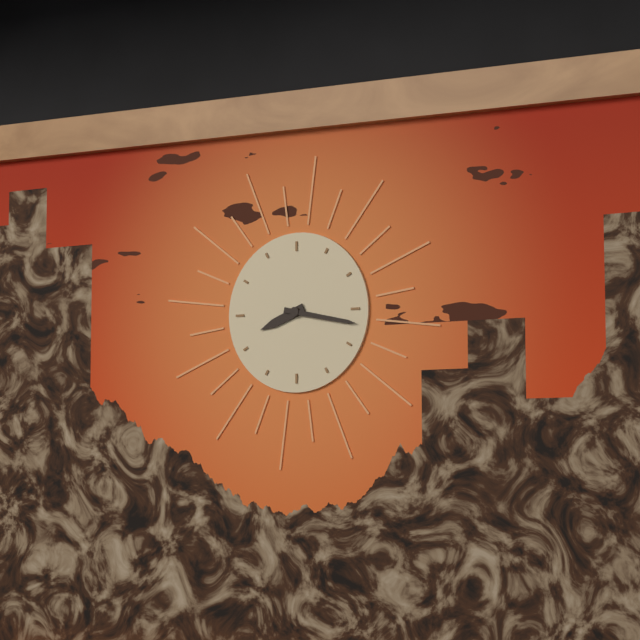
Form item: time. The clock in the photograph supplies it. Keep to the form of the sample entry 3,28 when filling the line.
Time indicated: 8,17
